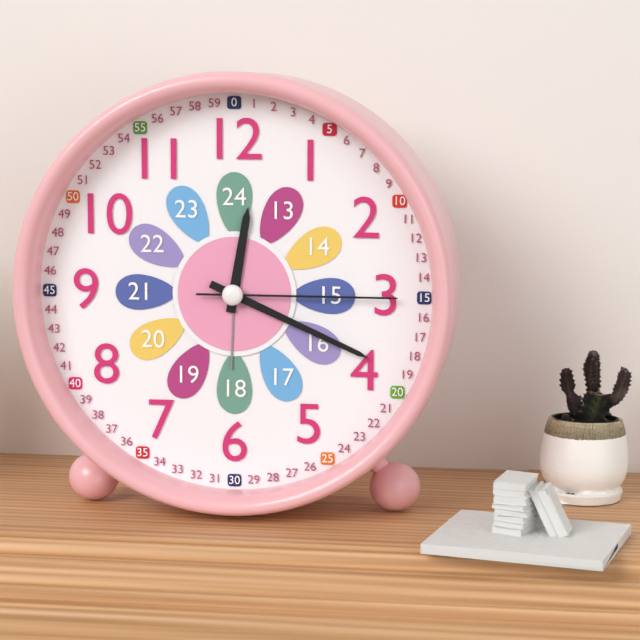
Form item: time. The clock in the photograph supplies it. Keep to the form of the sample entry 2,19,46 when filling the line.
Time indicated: 12,19,15
